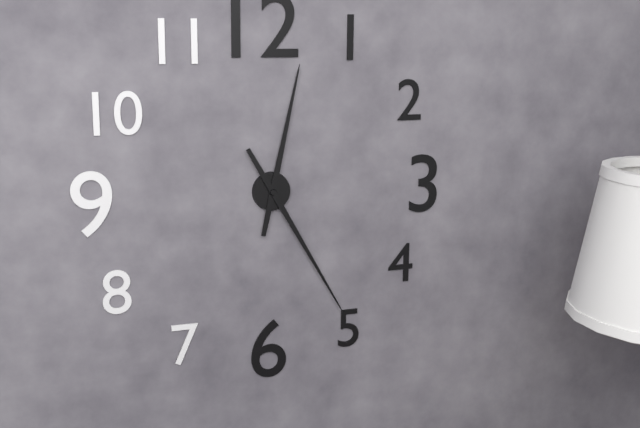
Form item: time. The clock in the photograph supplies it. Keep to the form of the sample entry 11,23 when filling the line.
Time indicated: 12,25
